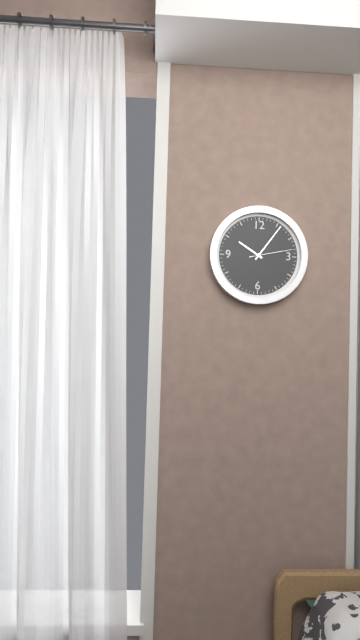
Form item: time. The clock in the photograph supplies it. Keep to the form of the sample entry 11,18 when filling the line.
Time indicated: 10,06
